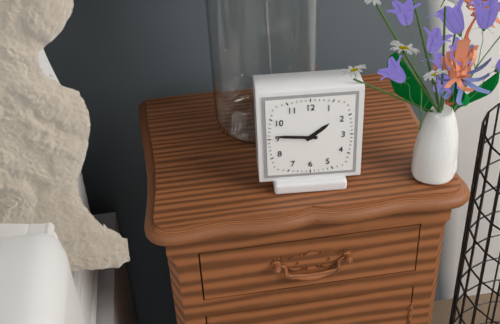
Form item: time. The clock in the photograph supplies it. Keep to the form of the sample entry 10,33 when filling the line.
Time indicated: 1,46
